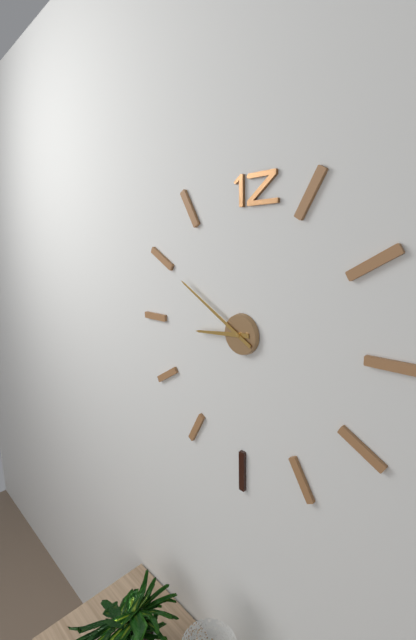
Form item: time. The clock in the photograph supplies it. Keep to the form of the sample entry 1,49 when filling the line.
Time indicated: 8,50
